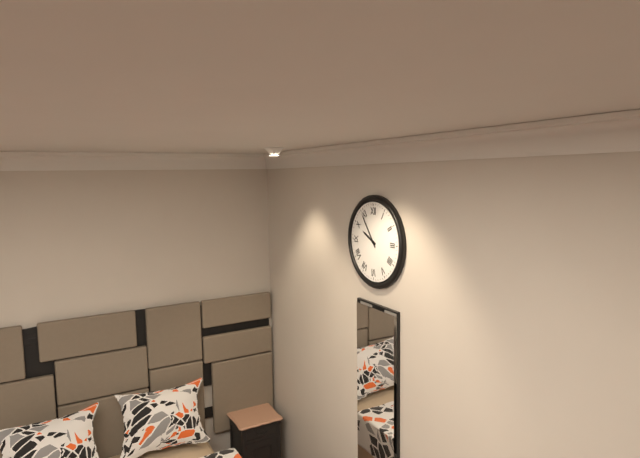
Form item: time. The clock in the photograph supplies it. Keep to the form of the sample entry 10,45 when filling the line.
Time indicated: 9,54
